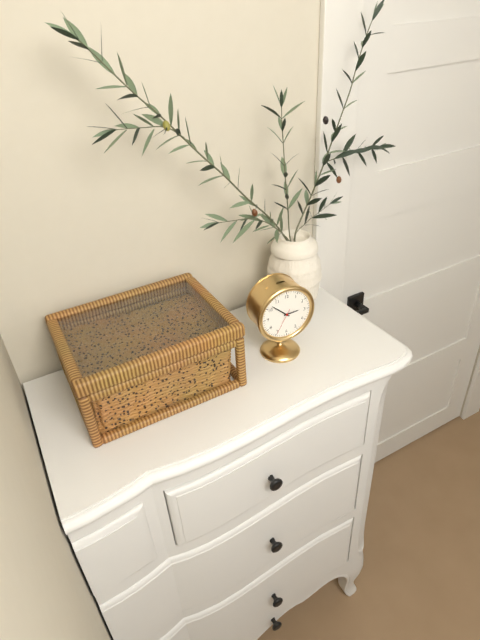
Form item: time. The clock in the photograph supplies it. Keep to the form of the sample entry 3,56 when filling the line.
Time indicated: 2,52
